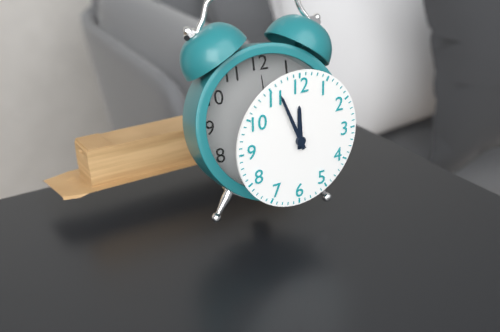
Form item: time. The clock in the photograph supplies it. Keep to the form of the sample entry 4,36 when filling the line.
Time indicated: 11,56
